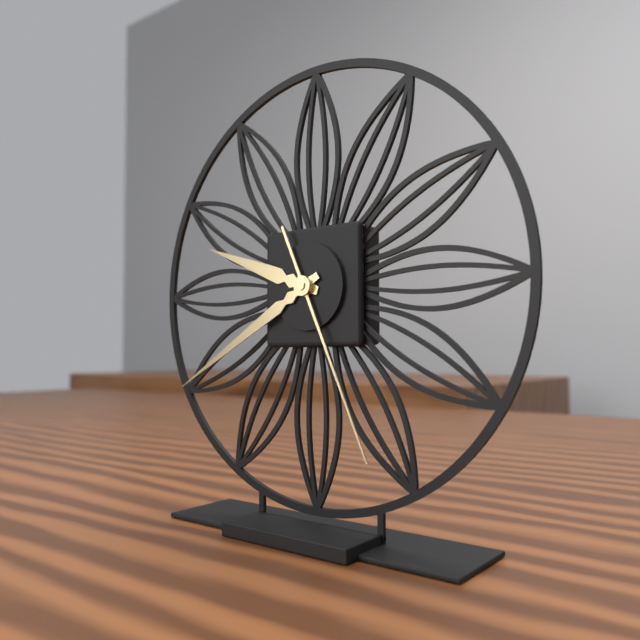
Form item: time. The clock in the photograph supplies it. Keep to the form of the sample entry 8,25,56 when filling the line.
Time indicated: 9,40,26
